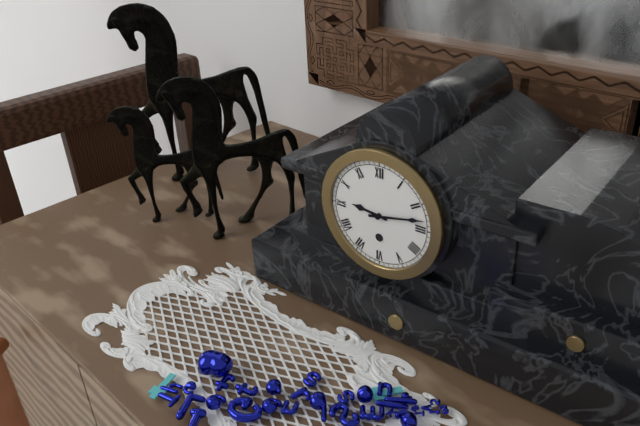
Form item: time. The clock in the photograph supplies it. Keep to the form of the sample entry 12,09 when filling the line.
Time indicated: 9,13
